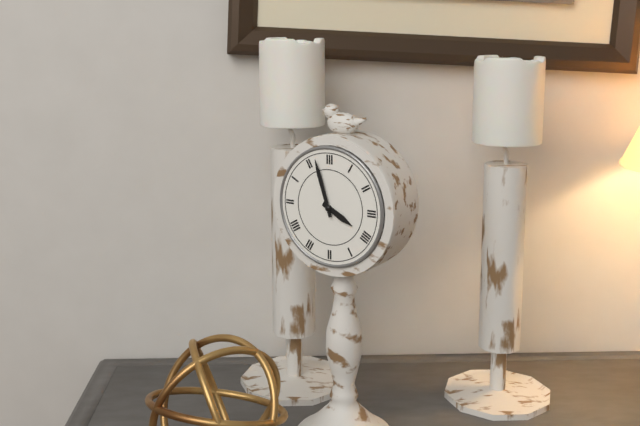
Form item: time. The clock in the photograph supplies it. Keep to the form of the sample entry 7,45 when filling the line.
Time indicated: 3,57
